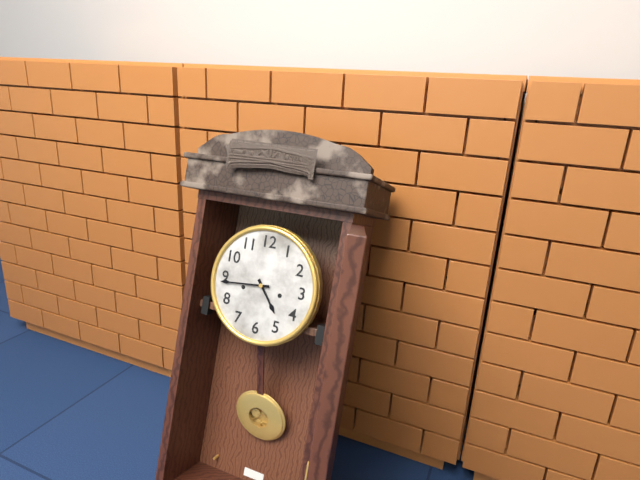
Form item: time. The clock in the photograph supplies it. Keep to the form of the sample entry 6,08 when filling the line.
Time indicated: 4,44
